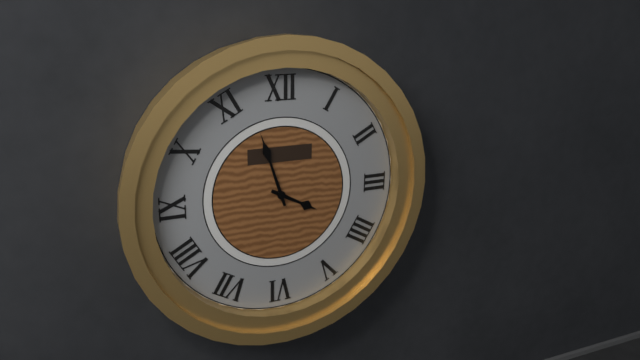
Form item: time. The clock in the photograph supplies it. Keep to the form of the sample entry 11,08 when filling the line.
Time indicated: 3,57
